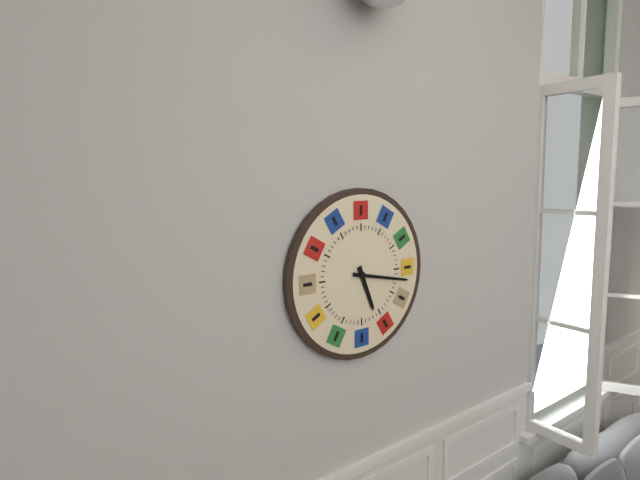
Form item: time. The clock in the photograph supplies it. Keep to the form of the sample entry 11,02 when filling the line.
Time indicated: 5,17
